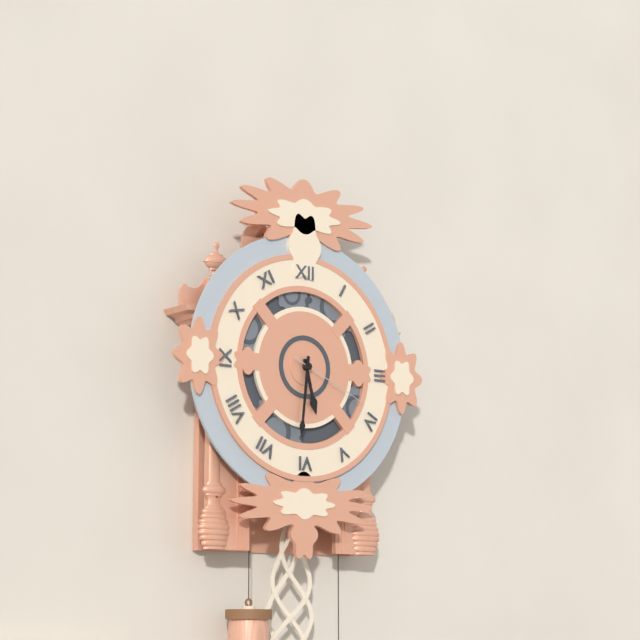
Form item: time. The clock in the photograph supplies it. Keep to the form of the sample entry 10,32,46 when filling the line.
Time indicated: 5,31,19
